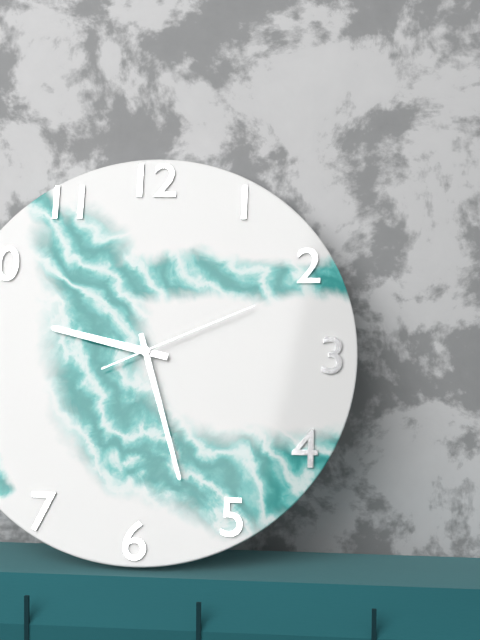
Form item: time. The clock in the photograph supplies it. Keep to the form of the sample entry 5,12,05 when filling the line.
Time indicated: 9,27,11
